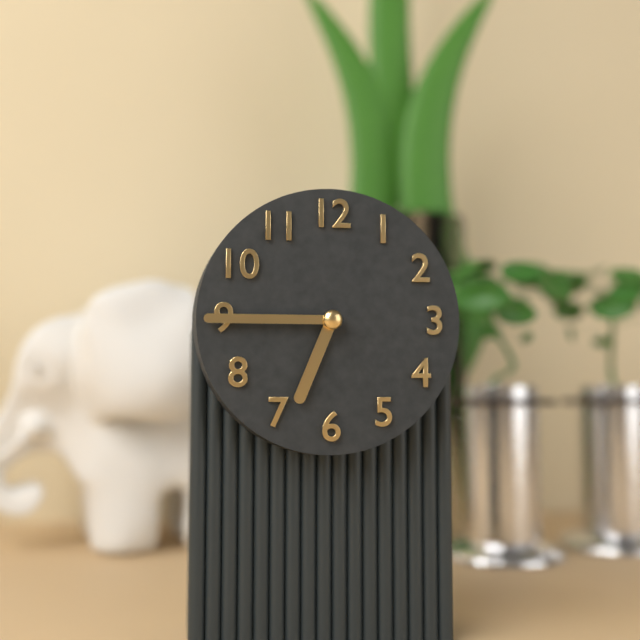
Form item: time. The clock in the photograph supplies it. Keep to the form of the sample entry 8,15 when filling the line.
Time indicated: 6,45
